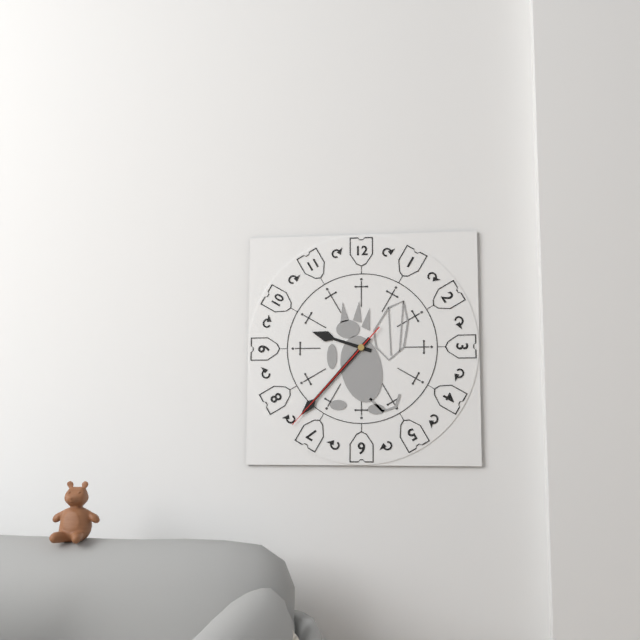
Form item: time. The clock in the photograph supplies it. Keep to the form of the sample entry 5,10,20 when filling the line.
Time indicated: 9,37,37
